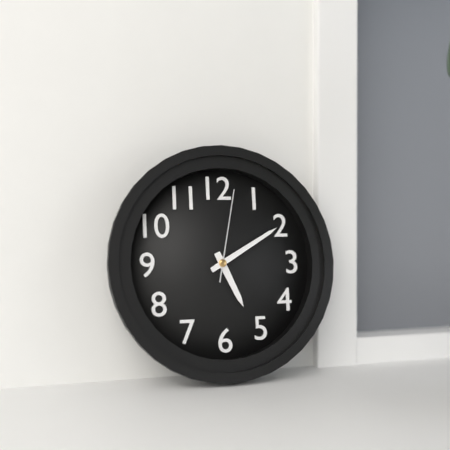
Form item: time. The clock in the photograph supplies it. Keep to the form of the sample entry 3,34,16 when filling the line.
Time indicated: 5,10,02
